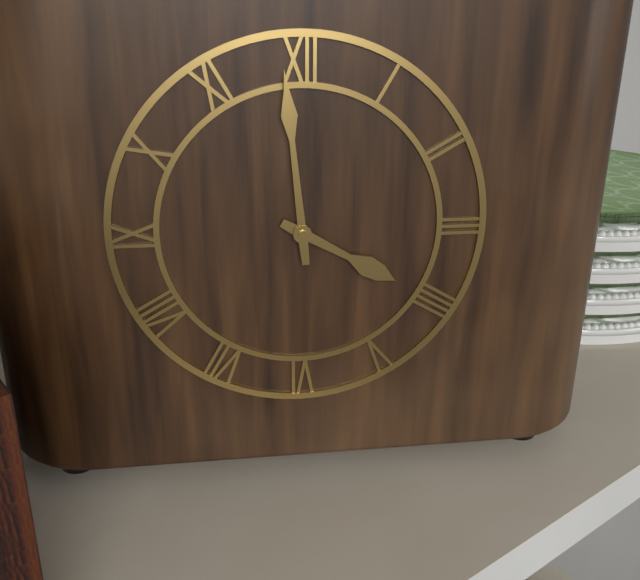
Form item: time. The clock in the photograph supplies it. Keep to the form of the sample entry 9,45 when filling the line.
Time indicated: 3,59
